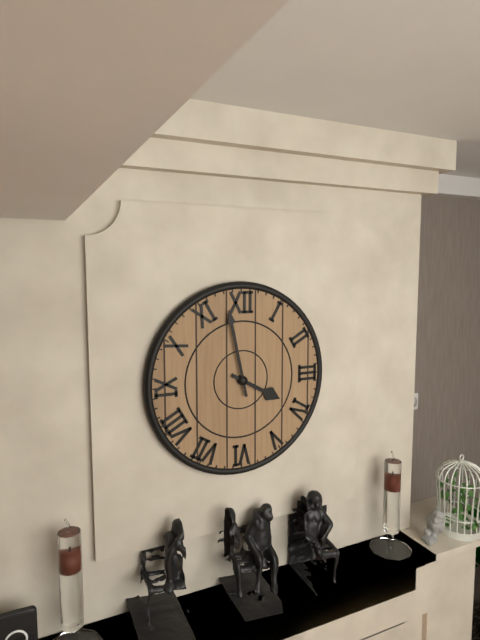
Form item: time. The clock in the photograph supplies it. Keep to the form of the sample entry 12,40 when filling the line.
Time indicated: 3,58
